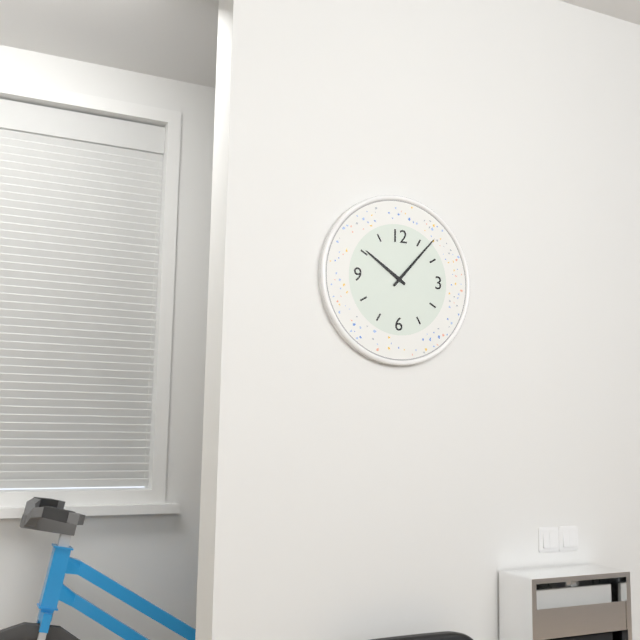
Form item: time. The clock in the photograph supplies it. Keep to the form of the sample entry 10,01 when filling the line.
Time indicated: 10,07
